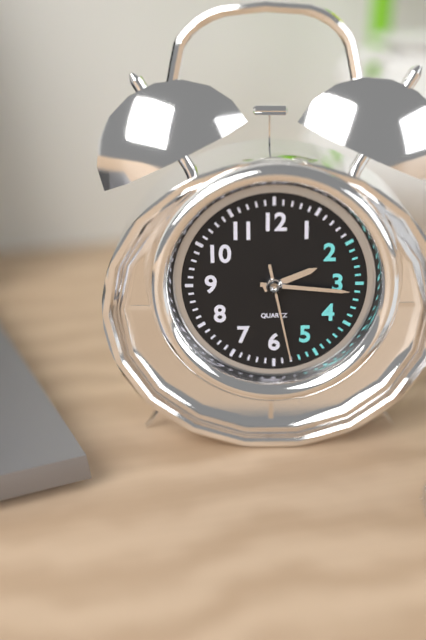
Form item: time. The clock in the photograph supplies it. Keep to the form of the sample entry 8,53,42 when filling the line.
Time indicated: 2,16,28
